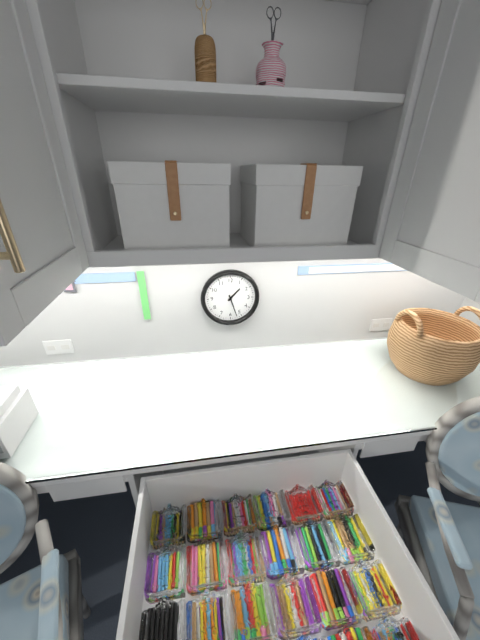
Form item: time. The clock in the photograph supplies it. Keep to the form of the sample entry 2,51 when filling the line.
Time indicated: 1,27
